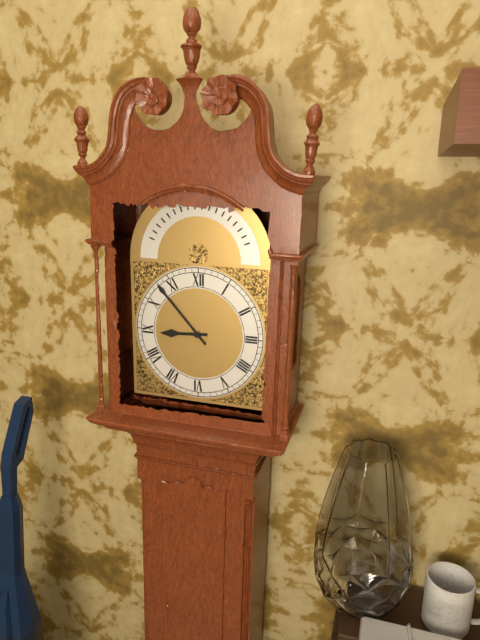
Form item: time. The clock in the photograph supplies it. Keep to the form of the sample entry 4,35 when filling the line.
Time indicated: 8,53
